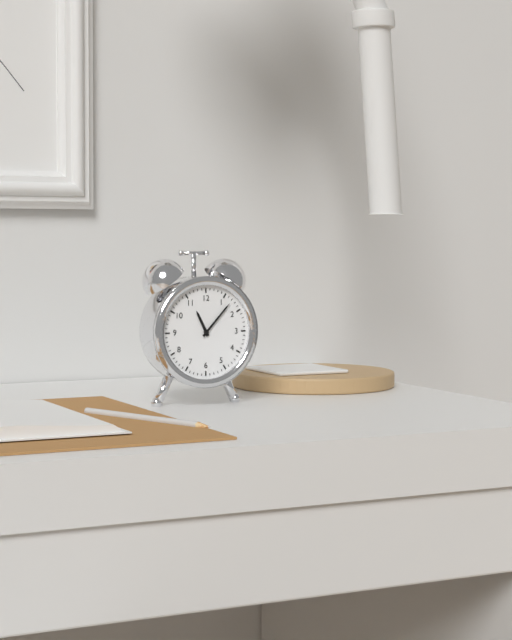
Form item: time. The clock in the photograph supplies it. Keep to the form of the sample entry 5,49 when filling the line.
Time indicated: 11,07
